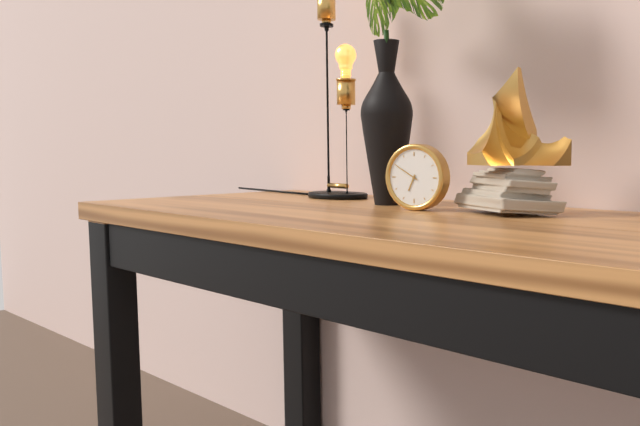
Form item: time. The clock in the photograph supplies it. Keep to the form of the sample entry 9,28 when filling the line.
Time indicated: 6,50
